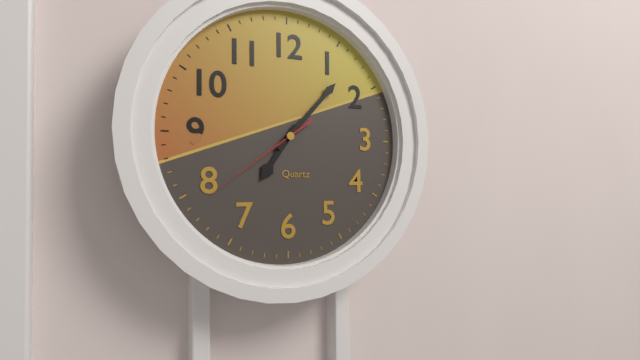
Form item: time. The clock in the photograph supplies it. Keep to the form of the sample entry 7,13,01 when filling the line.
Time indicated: 7,07,39
